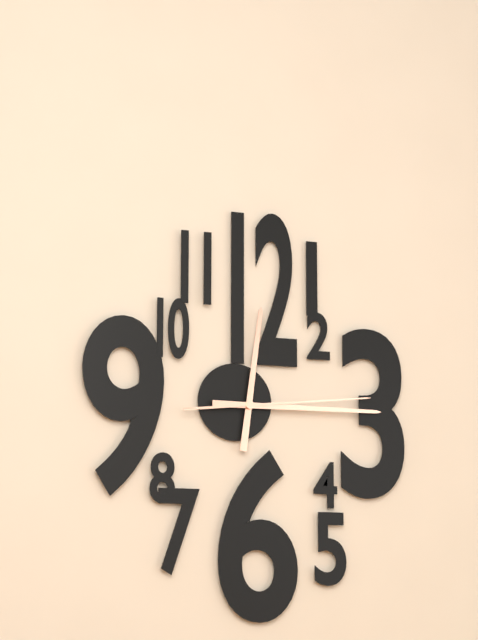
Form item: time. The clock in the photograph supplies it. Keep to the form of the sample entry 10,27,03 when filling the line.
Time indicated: 12,15,14
